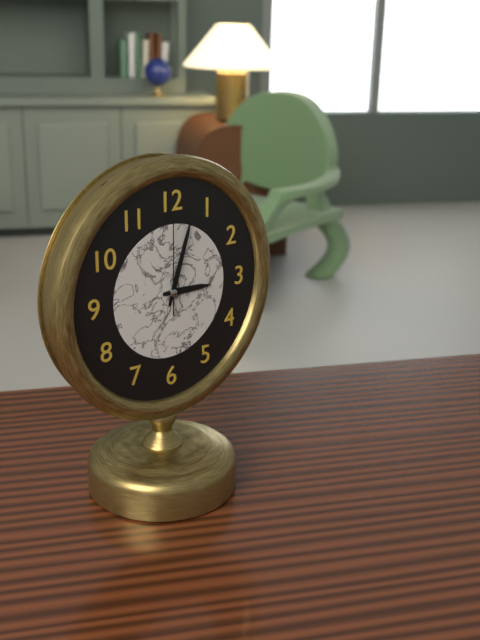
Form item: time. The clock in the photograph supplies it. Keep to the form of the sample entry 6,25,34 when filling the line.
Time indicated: 3,03,00
